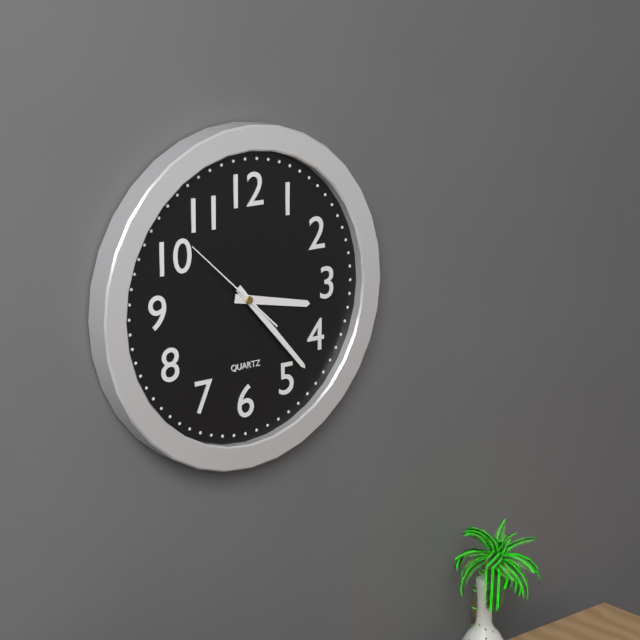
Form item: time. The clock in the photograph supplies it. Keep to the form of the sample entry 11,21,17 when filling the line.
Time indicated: 3,23,52
